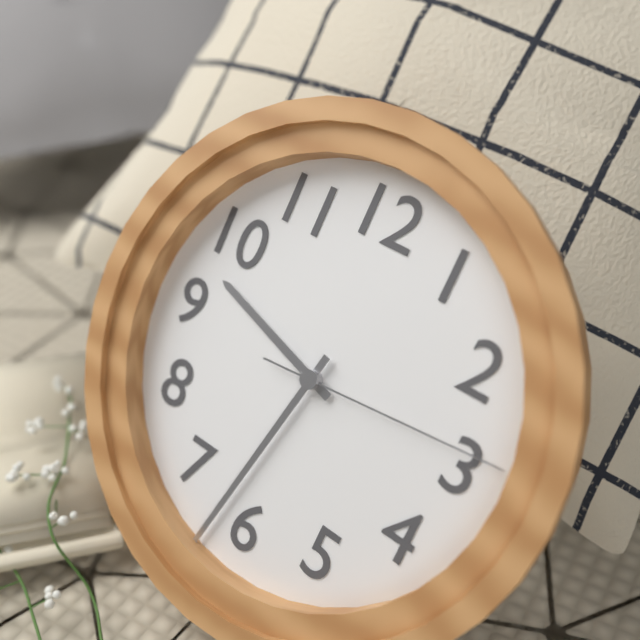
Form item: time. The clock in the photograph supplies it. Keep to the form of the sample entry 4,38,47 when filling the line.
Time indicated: 9,32,14
